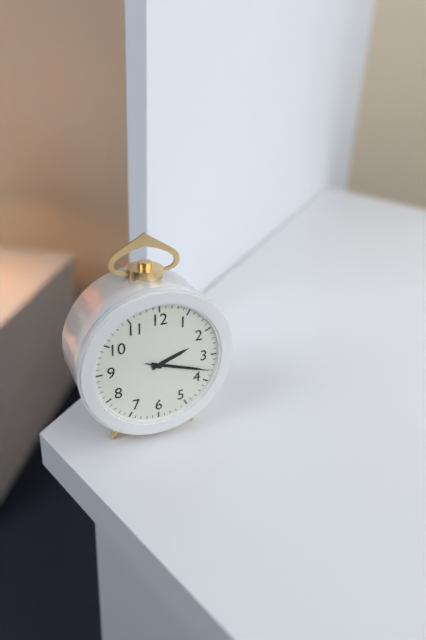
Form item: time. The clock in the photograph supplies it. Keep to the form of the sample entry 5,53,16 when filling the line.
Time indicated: 2,18,18
